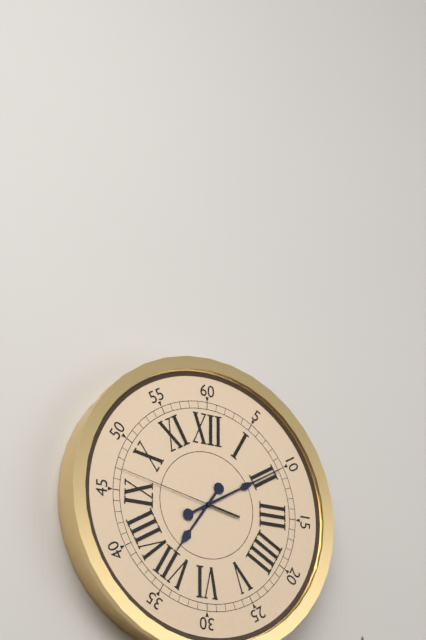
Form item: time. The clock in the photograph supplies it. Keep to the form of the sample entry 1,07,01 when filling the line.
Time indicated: 7,10,47
